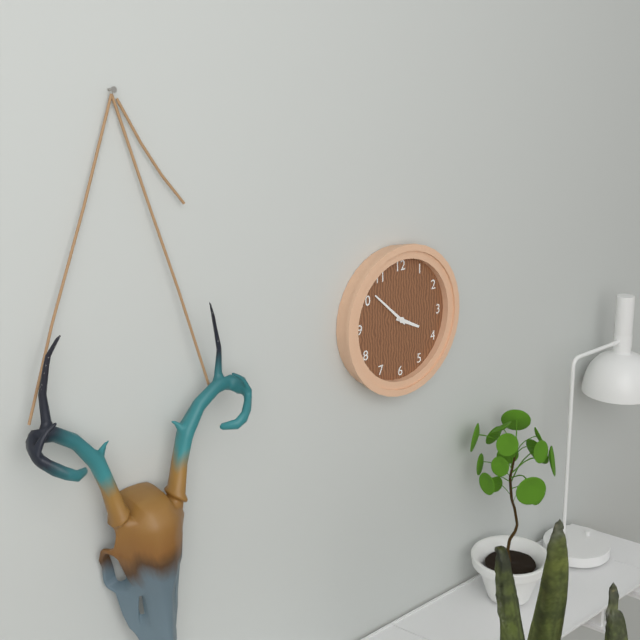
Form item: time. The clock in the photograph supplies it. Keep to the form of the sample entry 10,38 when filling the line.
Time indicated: 3,52
